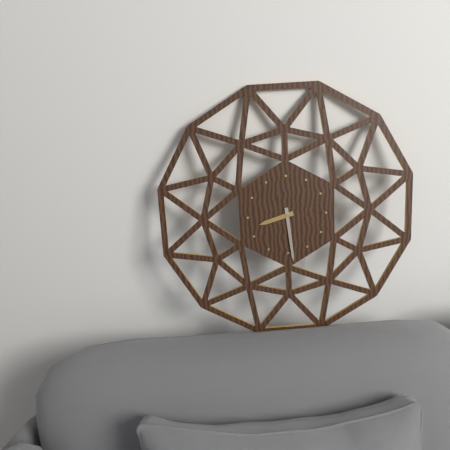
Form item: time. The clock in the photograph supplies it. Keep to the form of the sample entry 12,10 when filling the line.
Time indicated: 8,29
